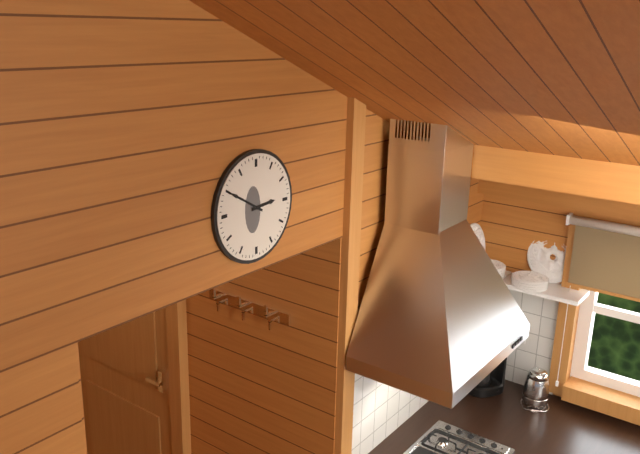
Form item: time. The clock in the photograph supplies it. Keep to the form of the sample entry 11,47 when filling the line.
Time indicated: 2,50
